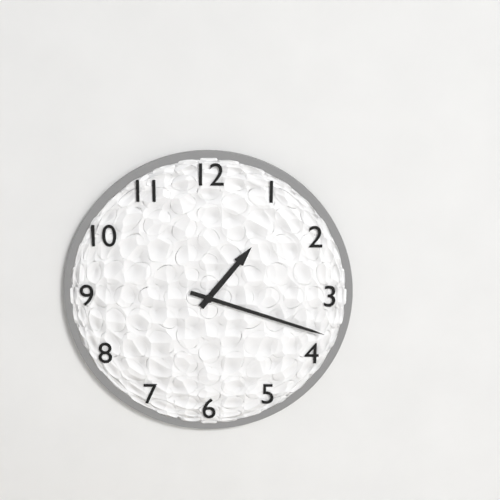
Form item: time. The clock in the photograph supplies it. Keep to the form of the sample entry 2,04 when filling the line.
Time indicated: 1,18
